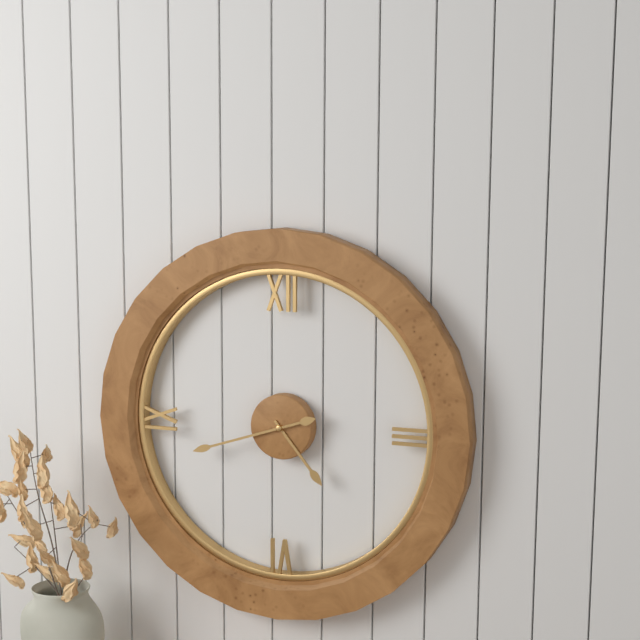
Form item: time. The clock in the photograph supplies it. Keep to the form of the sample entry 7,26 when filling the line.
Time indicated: 4,42
